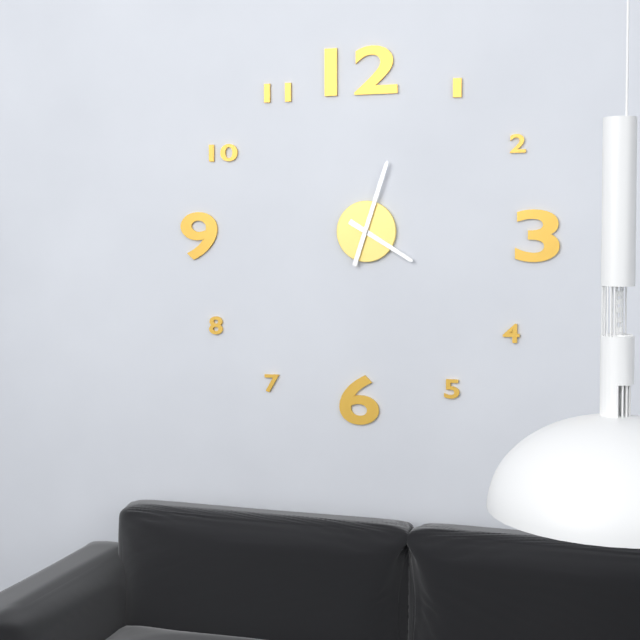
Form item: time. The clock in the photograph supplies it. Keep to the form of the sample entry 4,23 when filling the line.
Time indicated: 4,03
